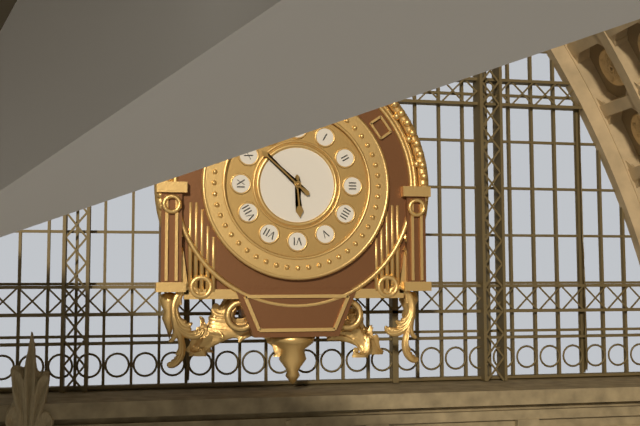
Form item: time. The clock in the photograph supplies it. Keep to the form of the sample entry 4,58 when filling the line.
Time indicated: 5,52
